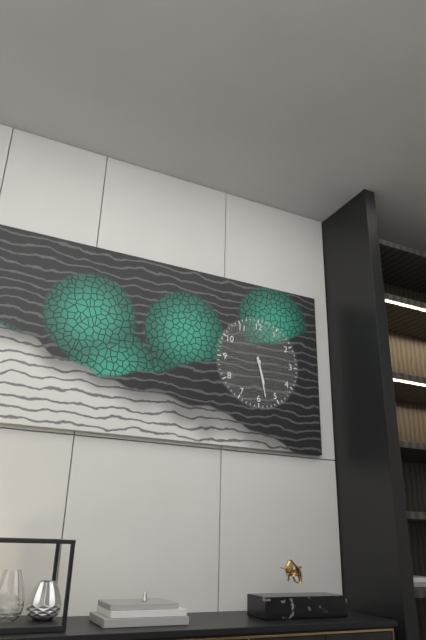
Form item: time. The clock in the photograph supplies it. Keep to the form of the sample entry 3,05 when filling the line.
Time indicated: 5,28
